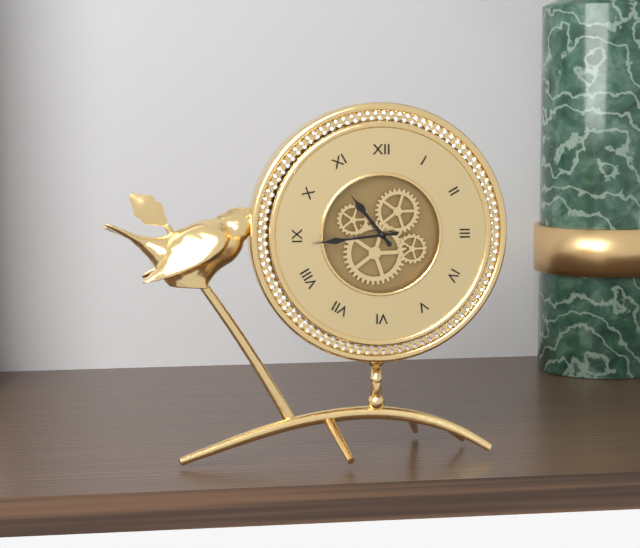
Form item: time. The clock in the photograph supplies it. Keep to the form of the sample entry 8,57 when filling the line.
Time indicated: 10,44
